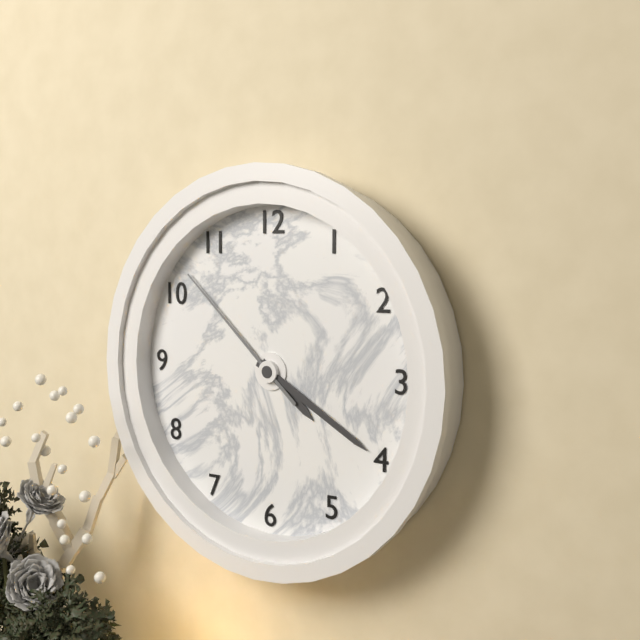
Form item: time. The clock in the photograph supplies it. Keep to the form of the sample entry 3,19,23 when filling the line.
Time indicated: 4,20,52
